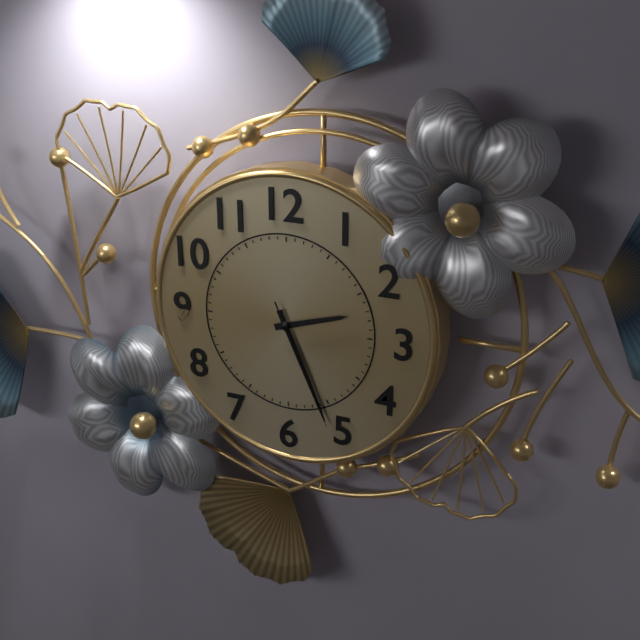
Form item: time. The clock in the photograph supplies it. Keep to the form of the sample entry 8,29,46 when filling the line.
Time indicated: 2,26,26
